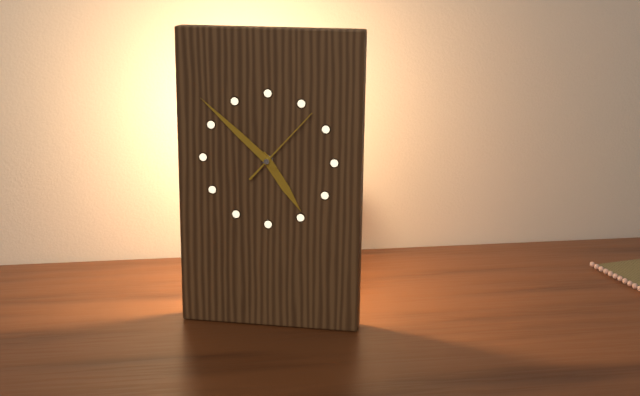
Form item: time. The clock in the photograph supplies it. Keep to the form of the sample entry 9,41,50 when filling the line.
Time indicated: 4,52,07
